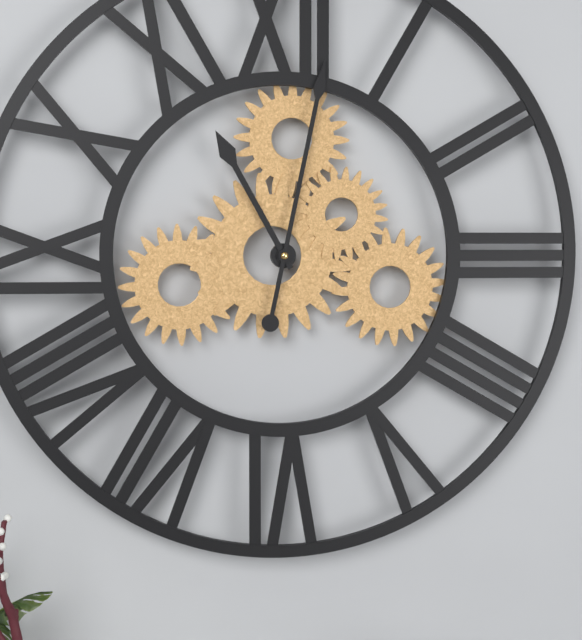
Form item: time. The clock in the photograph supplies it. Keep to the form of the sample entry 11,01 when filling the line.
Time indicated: 11,02
